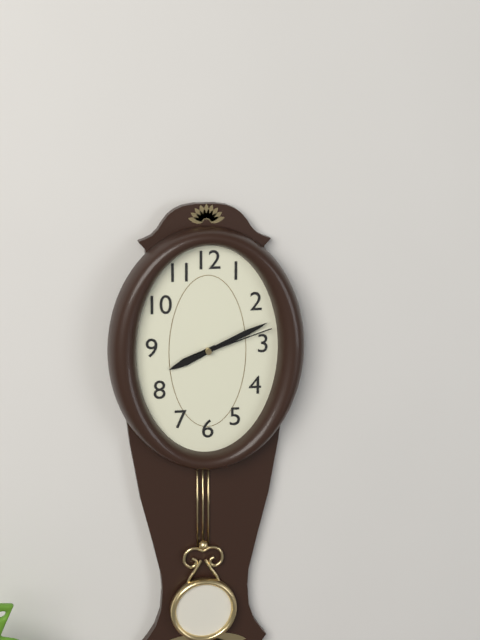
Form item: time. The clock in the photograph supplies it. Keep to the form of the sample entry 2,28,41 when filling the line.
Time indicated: 8,11,12
